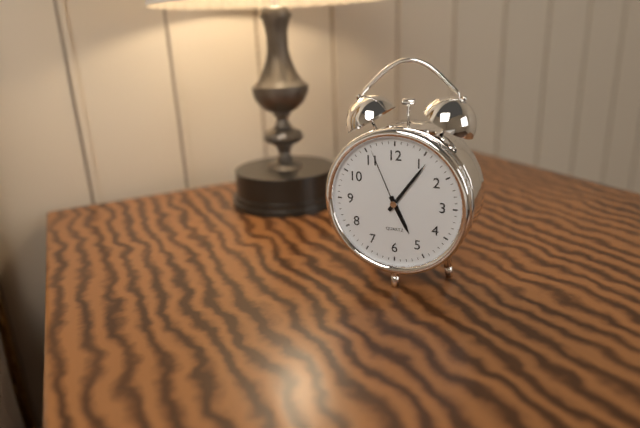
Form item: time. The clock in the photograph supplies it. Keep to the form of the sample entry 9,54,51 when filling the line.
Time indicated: 5,06,56
